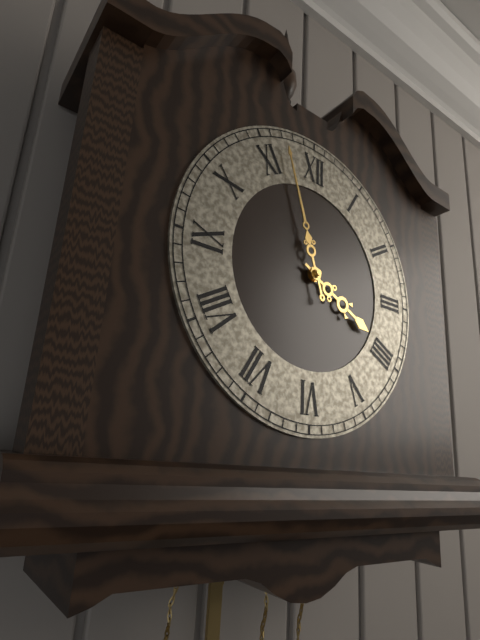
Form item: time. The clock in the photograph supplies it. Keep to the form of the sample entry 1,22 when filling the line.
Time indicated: 3,57
